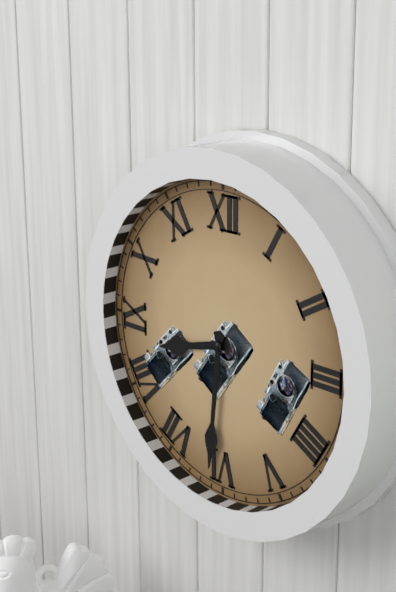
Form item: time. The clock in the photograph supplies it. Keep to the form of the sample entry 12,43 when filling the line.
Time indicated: 8,31
